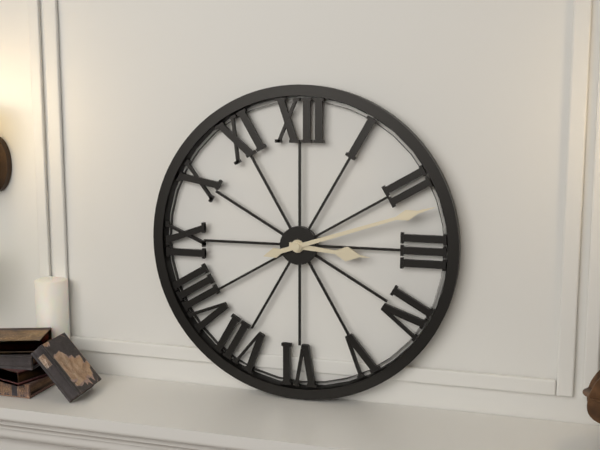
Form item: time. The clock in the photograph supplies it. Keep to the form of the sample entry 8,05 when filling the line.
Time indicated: 3,12
